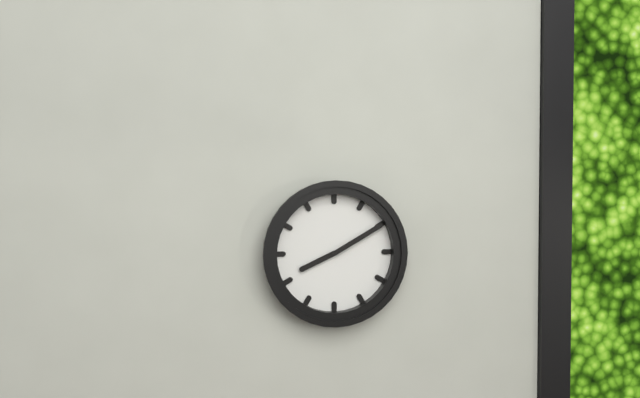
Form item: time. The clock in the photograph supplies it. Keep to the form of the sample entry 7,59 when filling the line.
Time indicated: 8,10
